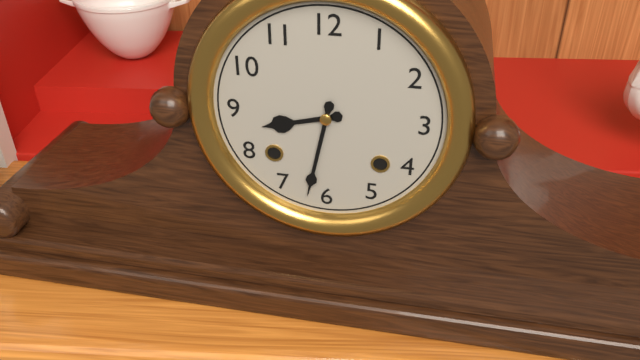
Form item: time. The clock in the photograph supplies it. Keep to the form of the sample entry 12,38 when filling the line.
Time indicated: 8,32
